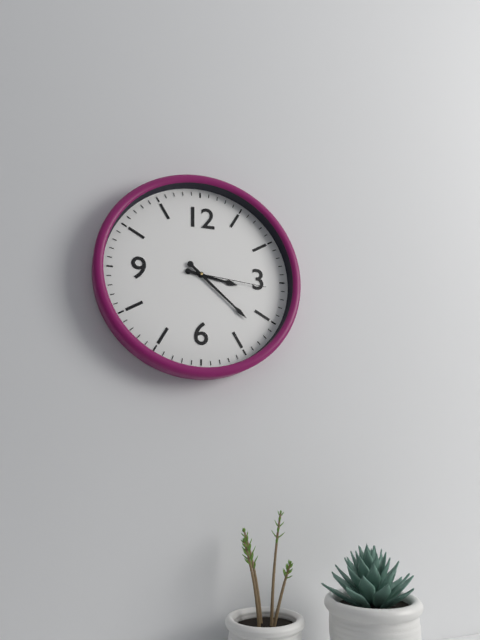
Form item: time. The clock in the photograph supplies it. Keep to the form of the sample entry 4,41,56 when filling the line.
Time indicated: 3,22,16
